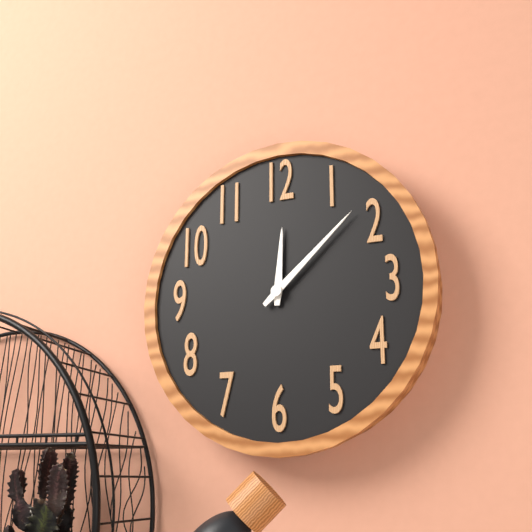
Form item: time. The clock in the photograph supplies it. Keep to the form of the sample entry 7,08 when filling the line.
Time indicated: 12,08
